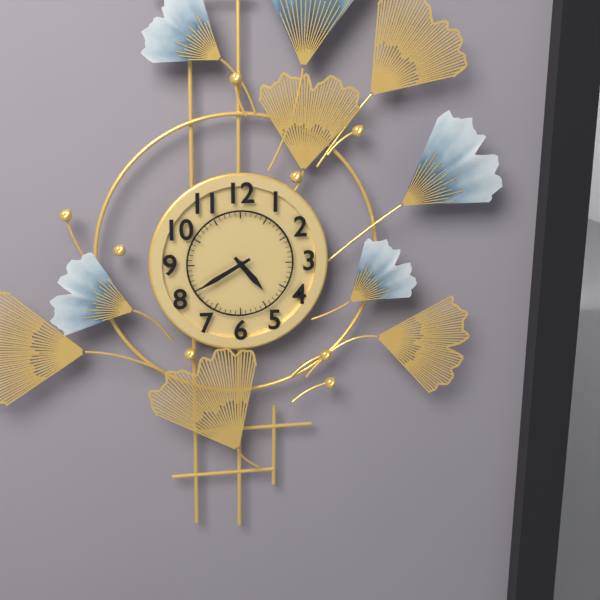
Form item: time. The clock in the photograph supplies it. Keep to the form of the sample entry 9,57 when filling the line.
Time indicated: 4,40
